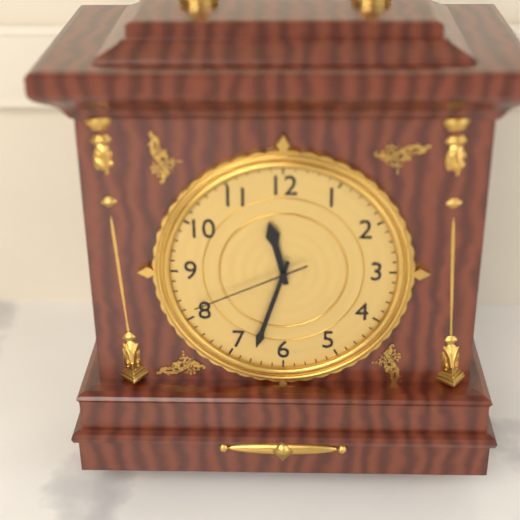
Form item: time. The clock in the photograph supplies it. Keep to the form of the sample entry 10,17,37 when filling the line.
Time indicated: 11,33,41
